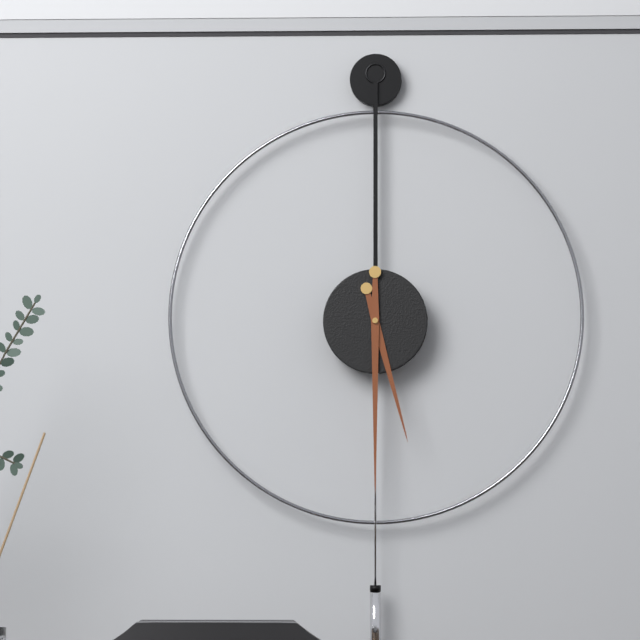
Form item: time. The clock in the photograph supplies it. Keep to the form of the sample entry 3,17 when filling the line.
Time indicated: 5,30
